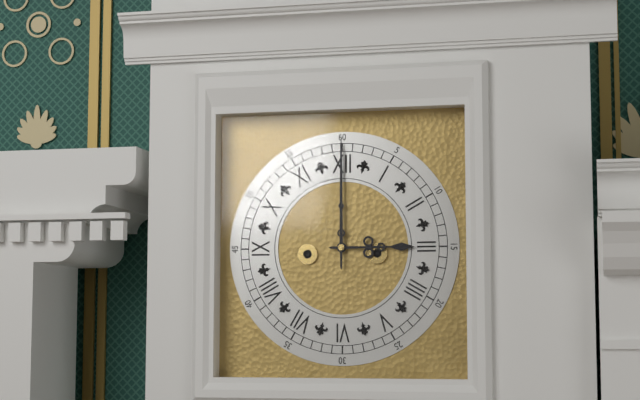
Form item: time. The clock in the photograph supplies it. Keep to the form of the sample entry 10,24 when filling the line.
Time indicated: 3,00
